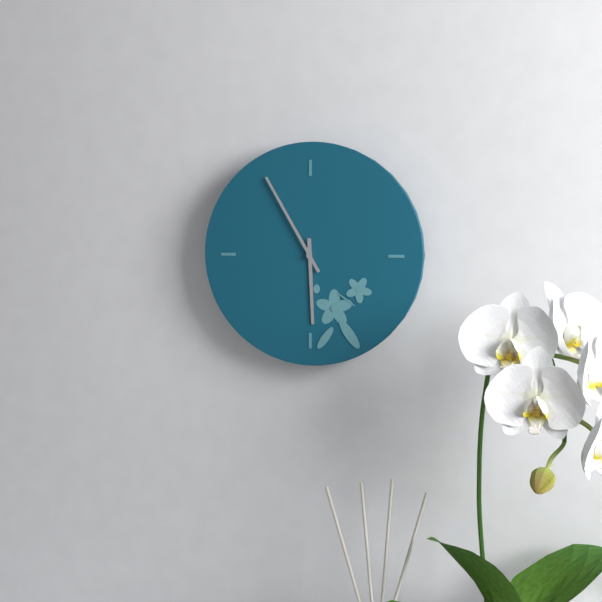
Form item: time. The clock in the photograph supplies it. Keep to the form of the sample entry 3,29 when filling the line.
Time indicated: 5,55
